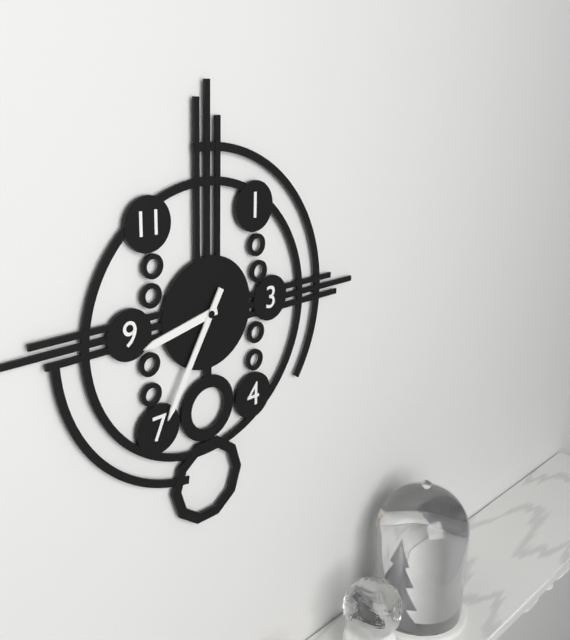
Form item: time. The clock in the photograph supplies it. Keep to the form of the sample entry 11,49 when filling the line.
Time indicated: 8,35
